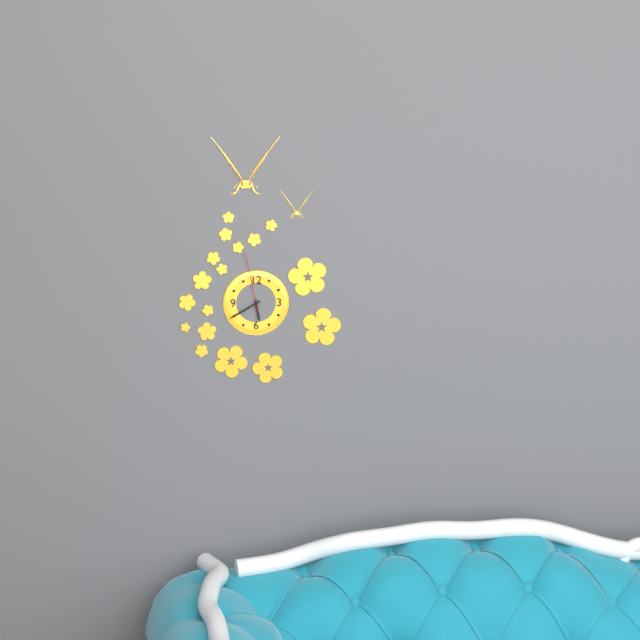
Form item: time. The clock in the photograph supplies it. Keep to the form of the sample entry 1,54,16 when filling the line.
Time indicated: 5,40,58
